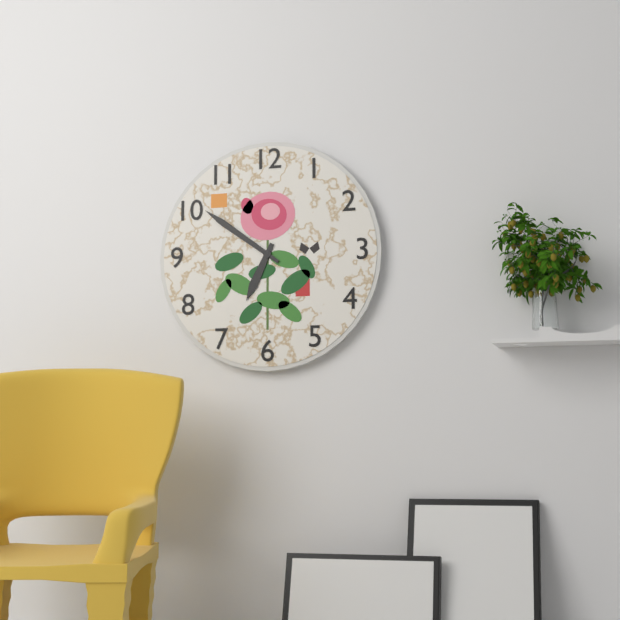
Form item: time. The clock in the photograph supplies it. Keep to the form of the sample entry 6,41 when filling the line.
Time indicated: 6,51
